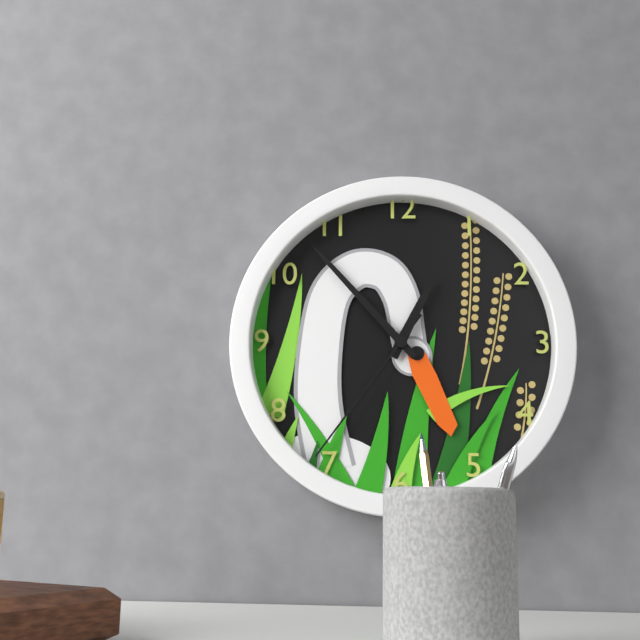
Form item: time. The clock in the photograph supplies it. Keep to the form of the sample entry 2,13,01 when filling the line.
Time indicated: 12,53,36
